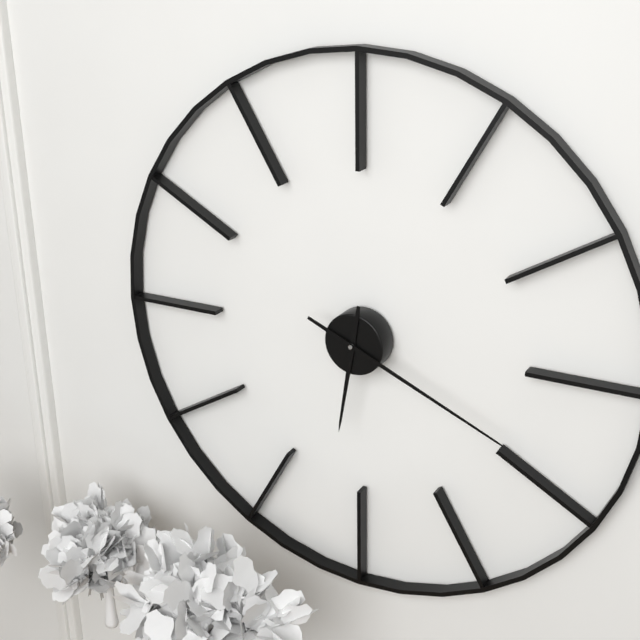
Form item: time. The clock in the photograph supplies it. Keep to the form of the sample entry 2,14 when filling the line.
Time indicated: 6,19
